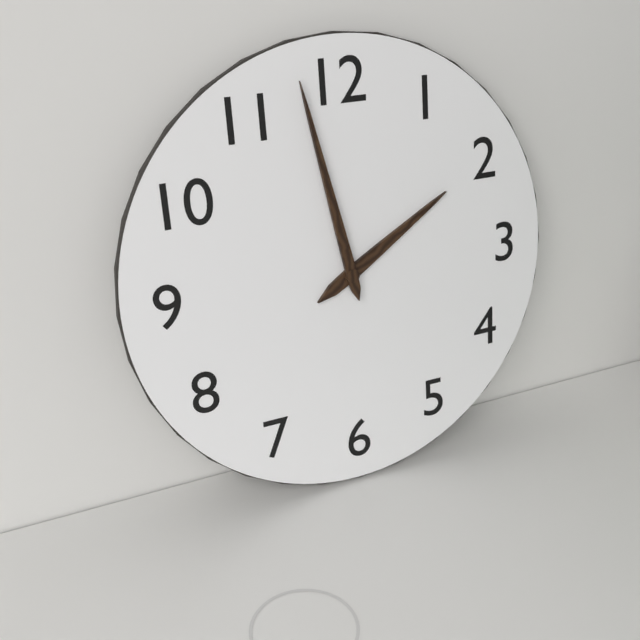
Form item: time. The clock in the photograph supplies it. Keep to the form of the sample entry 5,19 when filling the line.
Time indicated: 1,58
